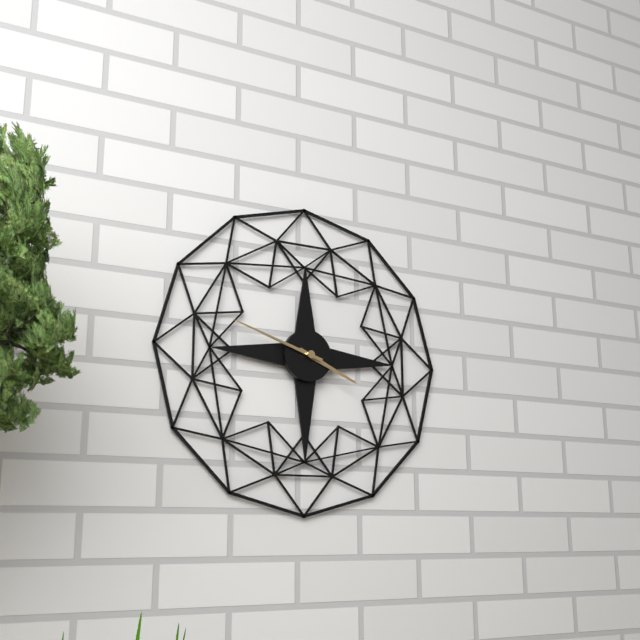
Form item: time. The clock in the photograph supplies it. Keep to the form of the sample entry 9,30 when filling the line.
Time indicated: 3,48
